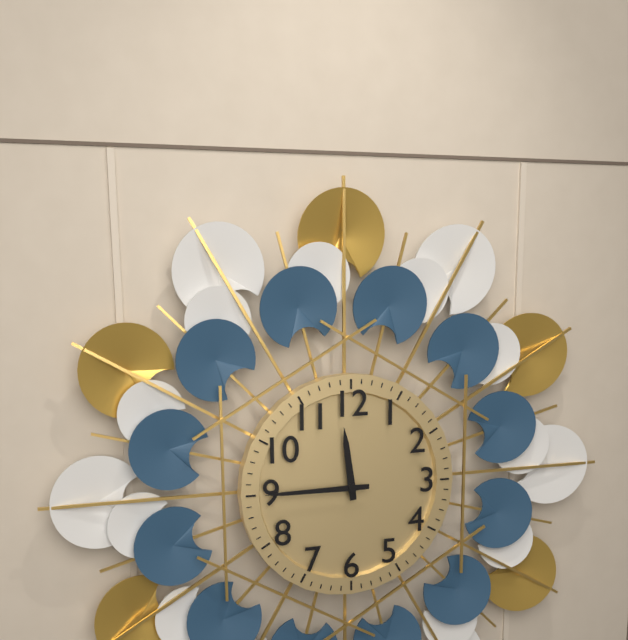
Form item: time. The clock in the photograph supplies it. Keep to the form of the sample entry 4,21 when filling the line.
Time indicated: 11,45
